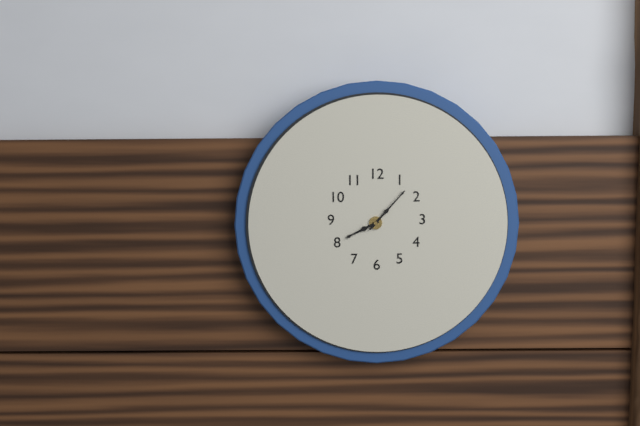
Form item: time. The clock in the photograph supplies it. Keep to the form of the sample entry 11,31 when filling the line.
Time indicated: 8,07
